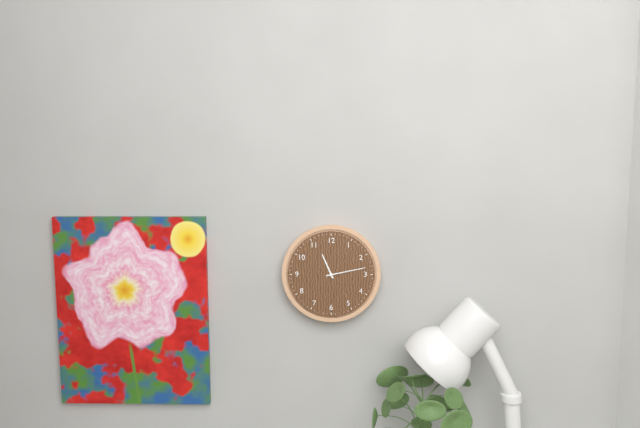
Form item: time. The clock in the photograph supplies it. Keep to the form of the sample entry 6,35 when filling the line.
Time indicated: 11,13
